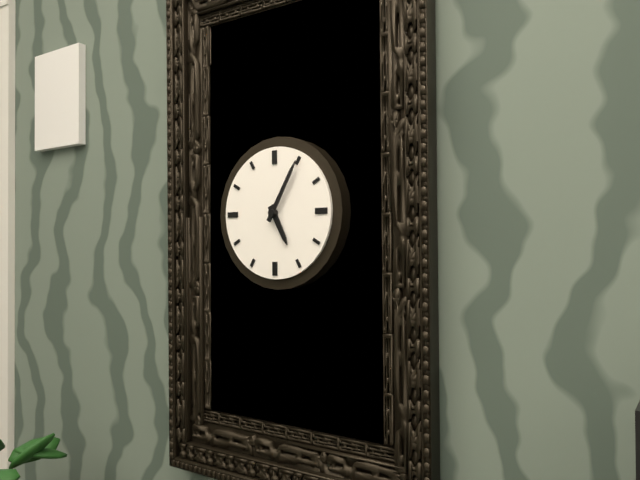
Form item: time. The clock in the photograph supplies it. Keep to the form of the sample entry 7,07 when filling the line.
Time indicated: 5,05
